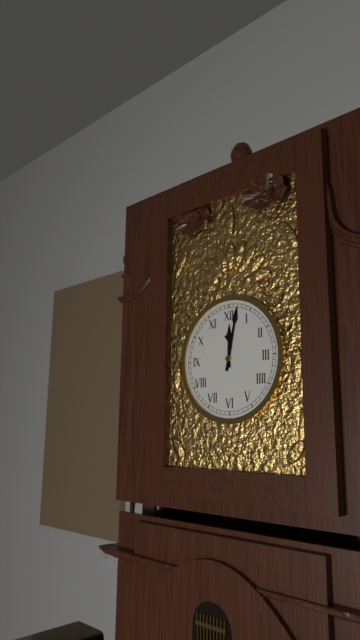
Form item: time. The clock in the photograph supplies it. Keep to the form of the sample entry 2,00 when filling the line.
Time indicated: 12,02
